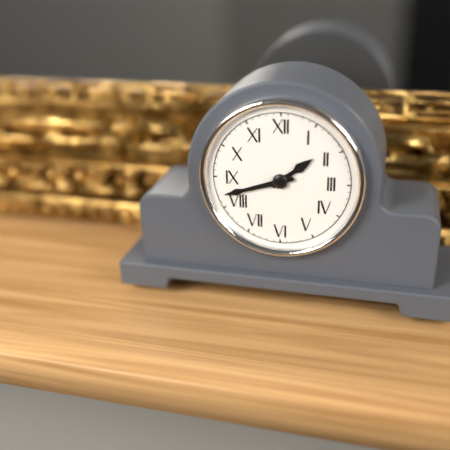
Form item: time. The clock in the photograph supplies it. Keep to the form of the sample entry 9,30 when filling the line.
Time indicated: 1,42
